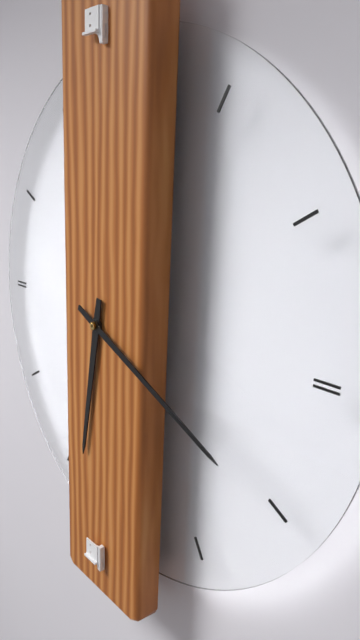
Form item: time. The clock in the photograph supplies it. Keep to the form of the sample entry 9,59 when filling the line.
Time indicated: 6,19
